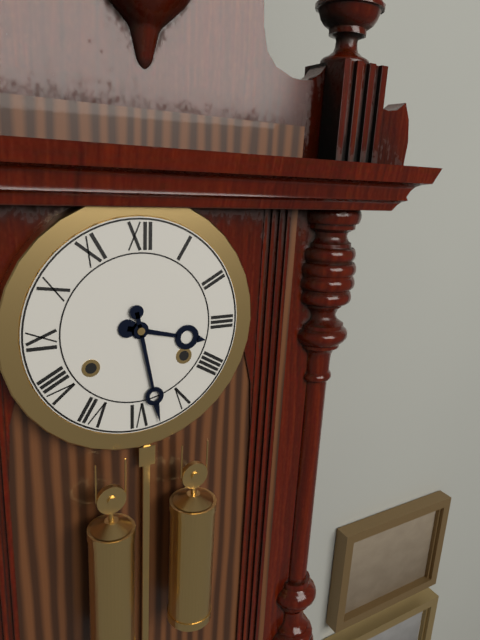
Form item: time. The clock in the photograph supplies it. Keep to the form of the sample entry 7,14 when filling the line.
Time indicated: 3,28
